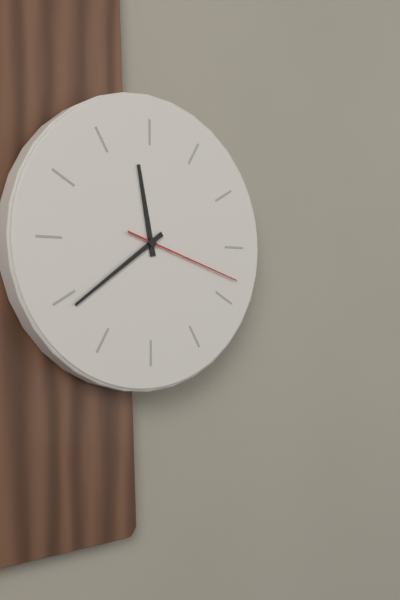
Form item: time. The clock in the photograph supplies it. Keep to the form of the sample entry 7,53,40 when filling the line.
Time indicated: 11,39,18
